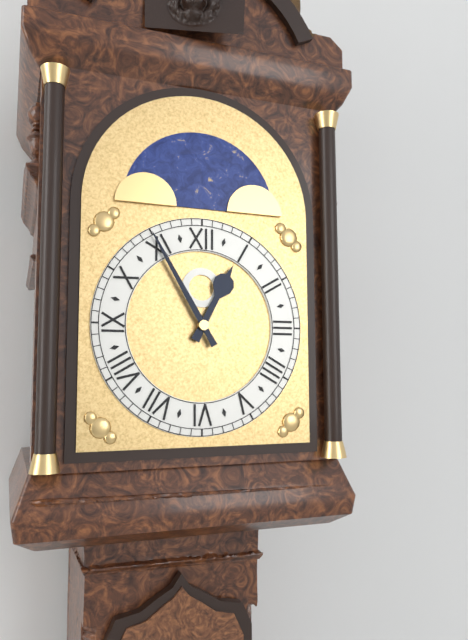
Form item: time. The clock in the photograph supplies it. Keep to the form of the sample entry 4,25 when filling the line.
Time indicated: 12,55
